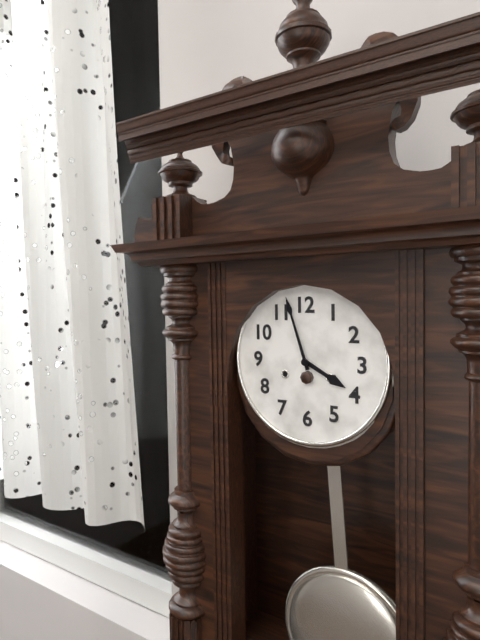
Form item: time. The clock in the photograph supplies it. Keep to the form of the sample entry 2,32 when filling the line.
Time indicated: 3,57
